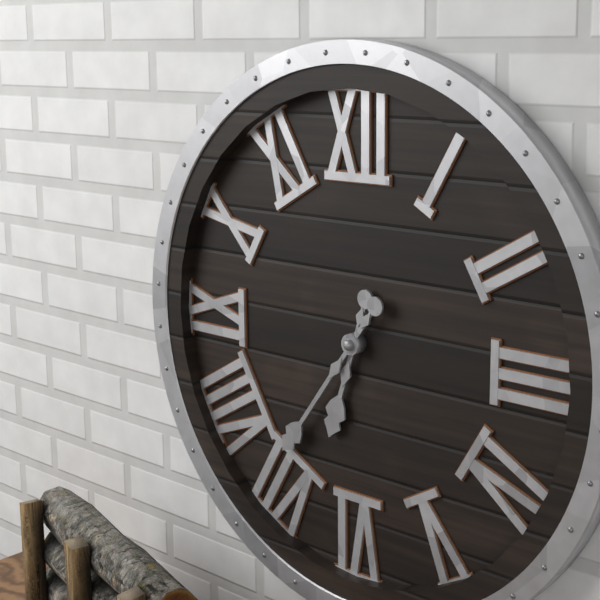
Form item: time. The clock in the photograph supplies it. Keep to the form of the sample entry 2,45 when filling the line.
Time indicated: 6,36
